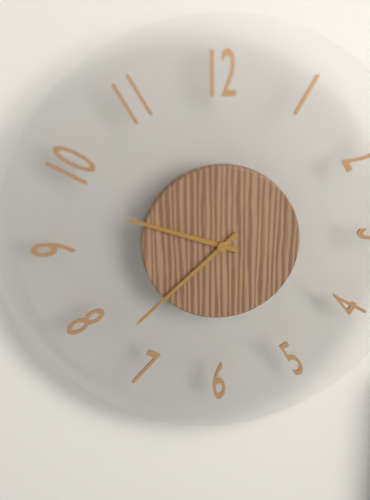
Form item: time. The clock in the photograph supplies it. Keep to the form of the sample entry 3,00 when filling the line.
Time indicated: 9,38
